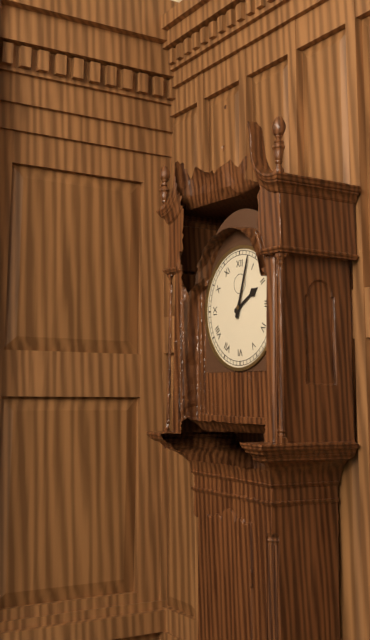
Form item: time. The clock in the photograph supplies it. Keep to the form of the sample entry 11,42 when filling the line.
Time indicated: 2,03
